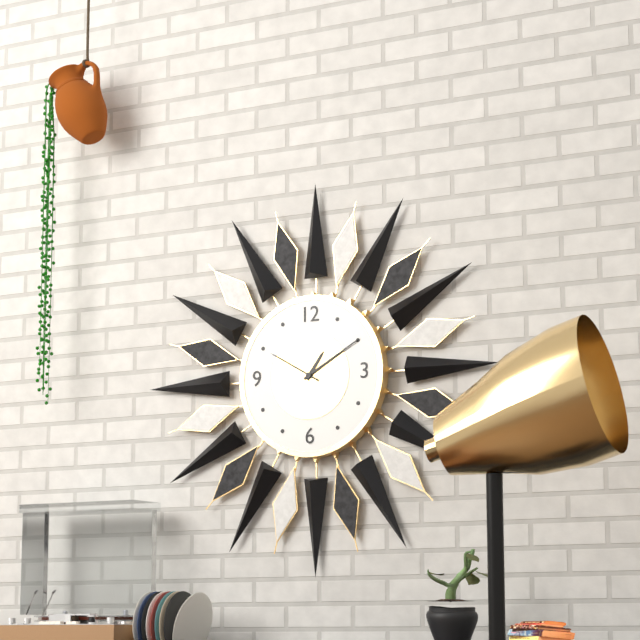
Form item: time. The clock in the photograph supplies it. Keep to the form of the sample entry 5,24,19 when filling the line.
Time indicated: 1,10,50
